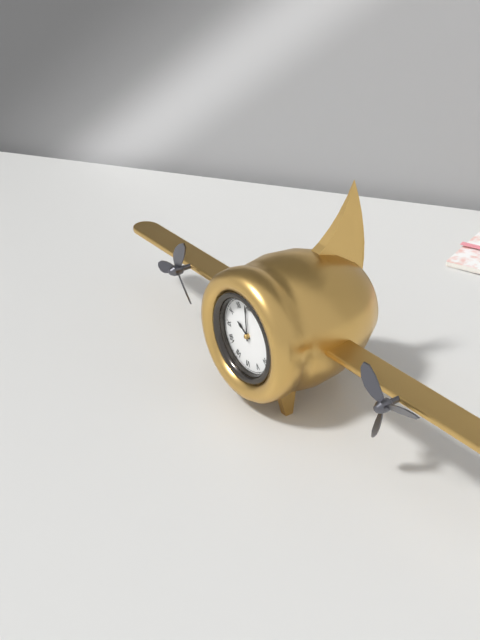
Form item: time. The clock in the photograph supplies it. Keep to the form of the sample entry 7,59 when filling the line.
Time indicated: 9,59
